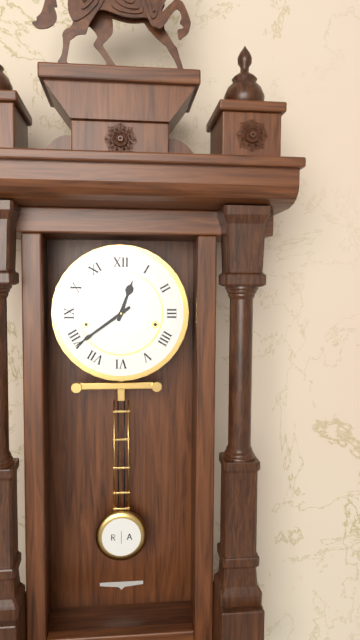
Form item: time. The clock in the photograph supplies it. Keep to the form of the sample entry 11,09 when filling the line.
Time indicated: 12,39
